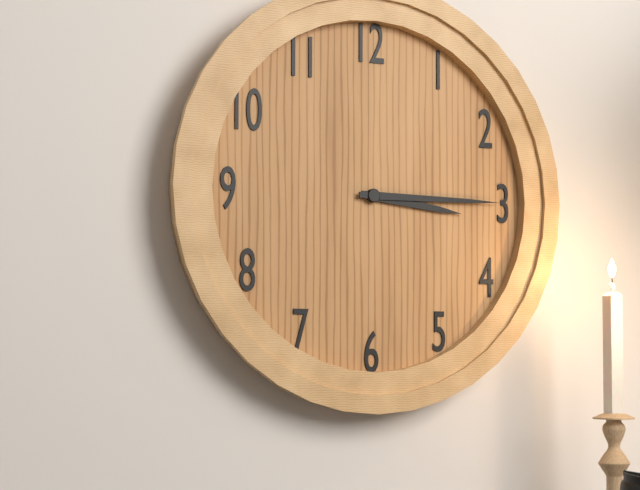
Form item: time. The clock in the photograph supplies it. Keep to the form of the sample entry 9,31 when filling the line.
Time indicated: 3,15
